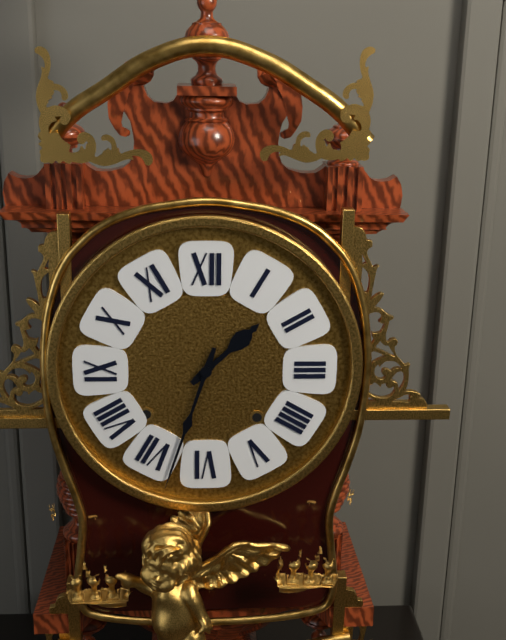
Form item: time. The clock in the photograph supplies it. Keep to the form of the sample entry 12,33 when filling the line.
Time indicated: 1,33
